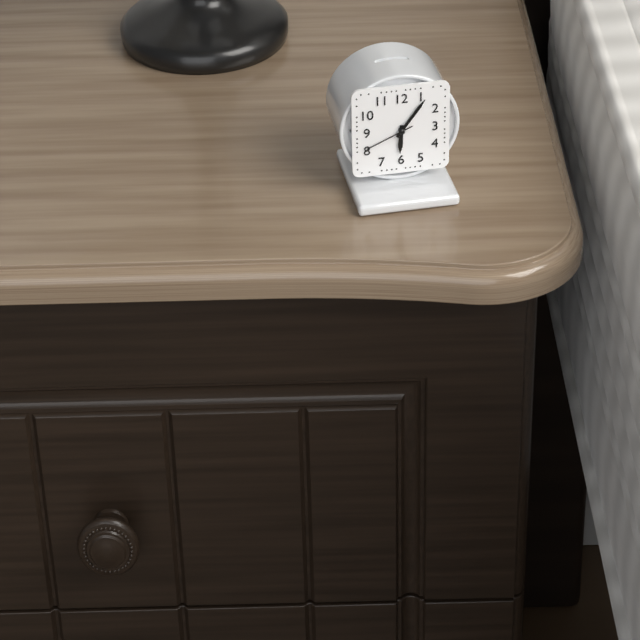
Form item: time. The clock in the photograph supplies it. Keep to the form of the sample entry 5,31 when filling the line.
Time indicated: 6,06
